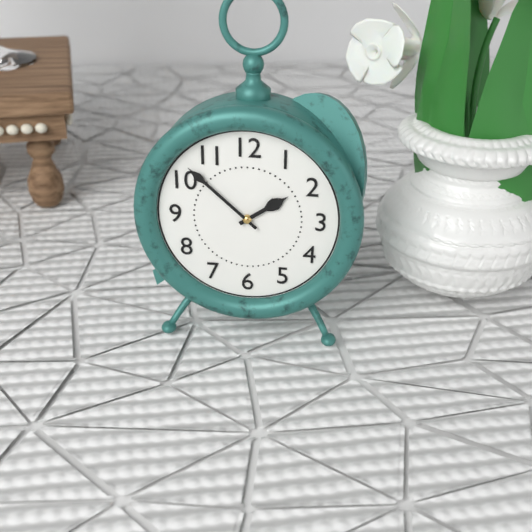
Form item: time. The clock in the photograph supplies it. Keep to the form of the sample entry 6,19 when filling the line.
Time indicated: 1,52
